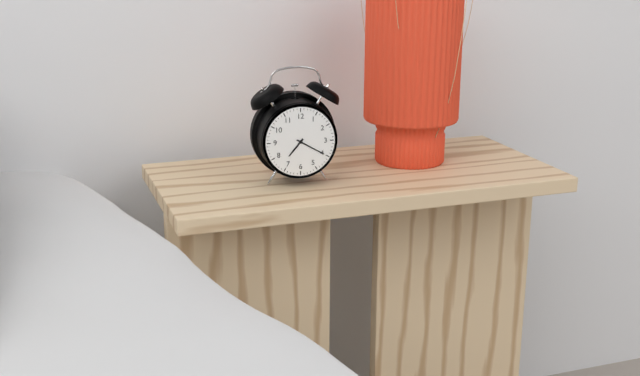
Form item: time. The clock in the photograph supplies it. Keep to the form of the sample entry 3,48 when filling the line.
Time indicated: 7,20
